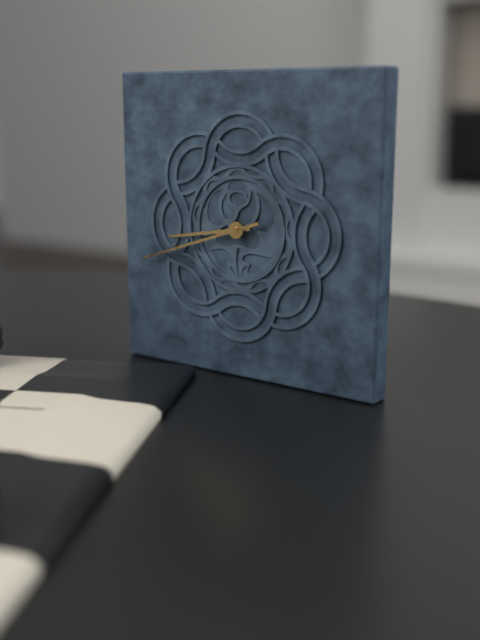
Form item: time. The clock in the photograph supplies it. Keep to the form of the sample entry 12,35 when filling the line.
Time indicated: 8,42
